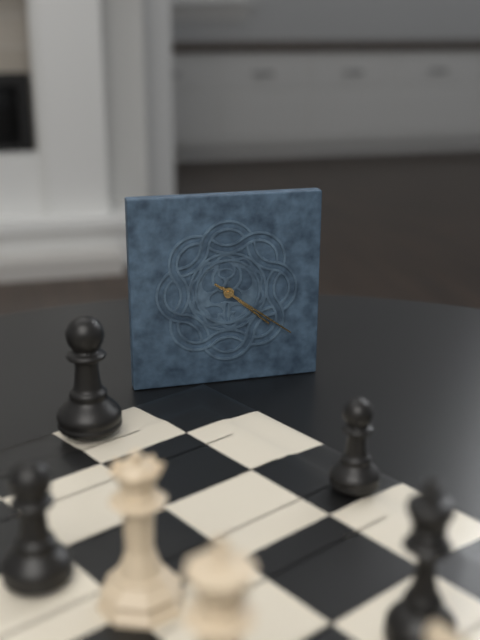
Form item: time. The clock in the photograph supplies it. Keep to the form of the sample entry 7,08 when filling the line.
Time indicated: 4,21
